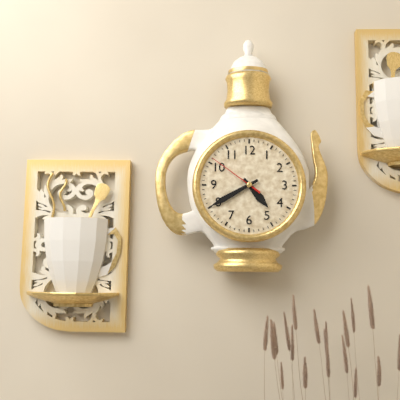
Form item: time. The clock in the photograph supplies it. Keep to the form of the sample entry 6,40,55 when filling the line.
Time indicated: 4,40,51
